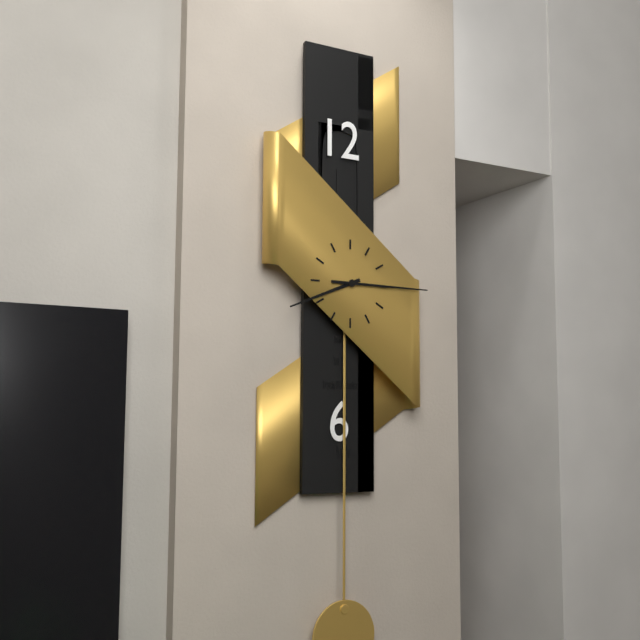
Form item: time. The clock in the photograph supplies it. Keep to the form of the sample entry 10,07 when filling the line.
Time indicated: 8,15
